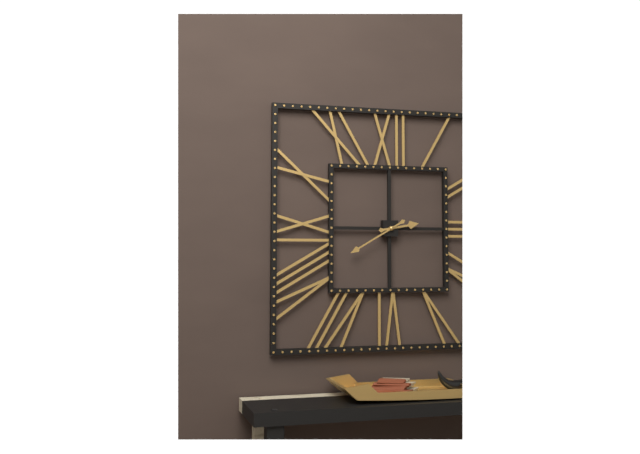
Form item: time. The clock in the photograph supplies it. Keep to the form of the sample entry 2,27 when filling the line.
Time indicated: 2,40
